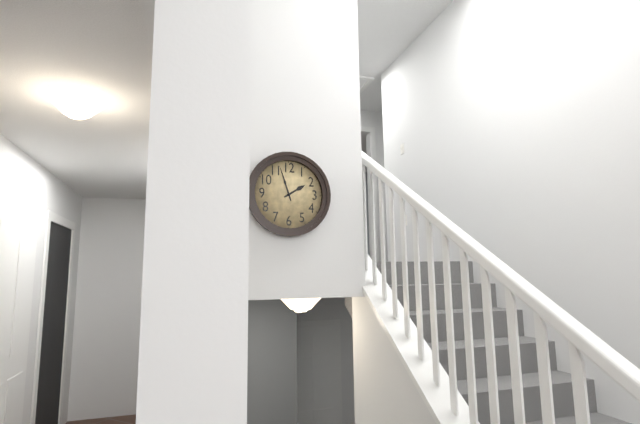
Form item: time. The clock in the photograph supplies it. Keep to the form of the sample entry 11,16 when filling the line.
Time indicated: 1,57
